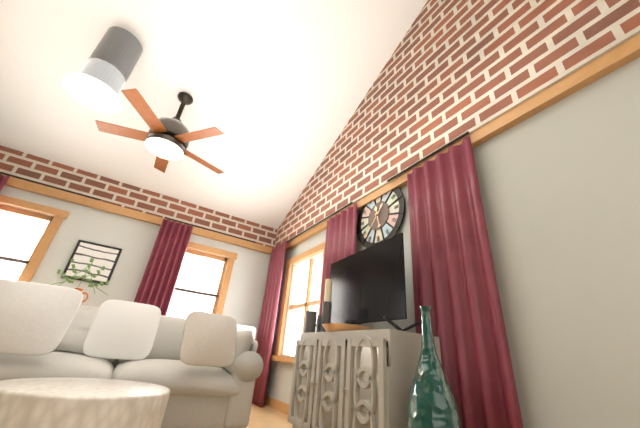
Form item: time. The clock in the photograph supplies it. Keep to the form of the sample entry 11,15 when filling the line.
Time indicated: 5,37
